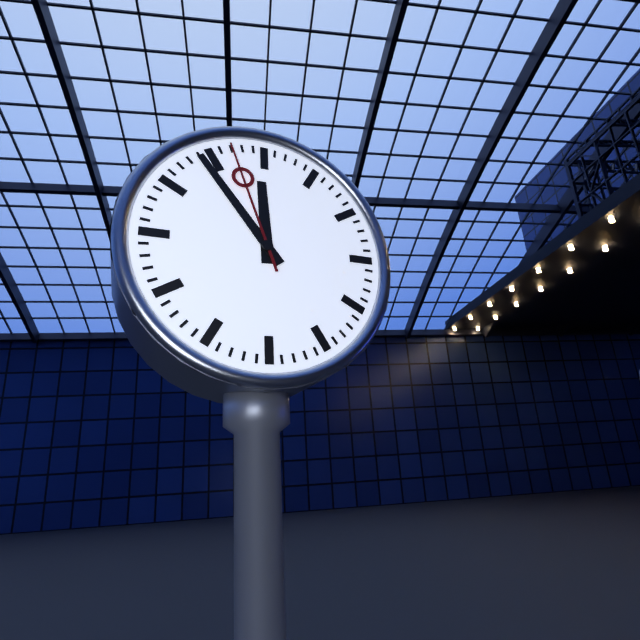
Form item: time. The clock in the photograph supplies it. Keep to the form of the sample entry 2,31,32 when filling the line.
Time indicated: 11,54,57
